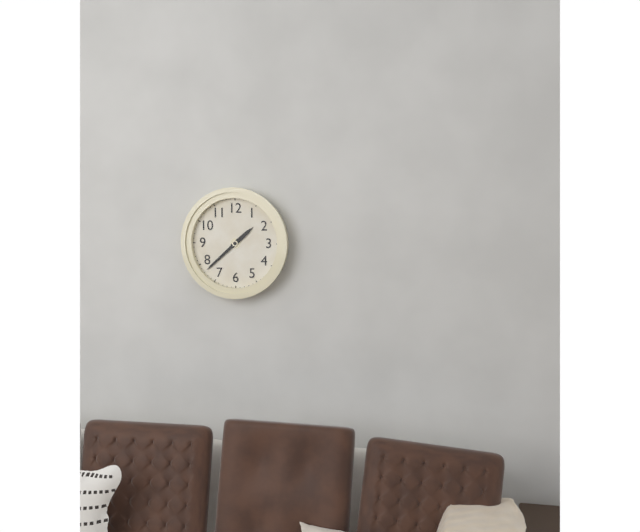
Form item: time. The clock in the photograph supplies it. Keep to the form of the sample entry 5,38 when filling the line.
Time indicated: 1,38
